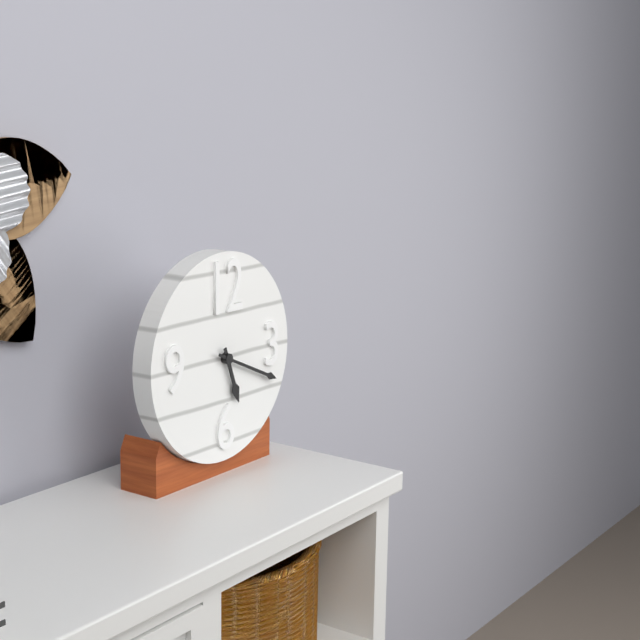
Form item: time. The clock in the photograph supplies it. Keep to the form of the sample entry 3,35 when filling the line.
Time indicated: 5,19
